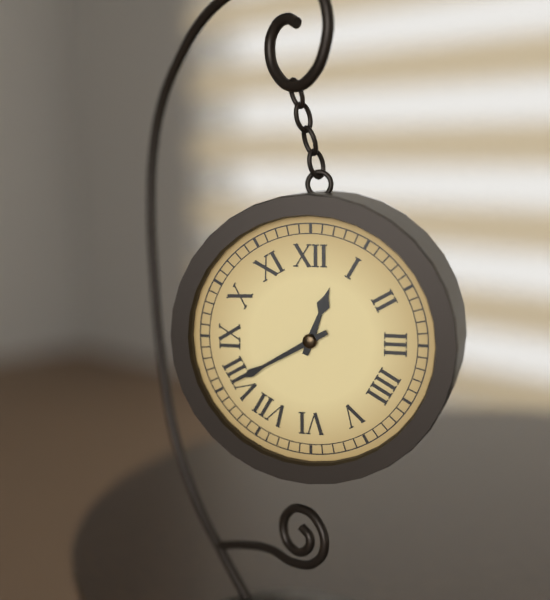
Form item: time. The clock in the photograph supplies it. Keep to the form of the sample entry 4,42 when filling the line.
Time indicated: 12,40
